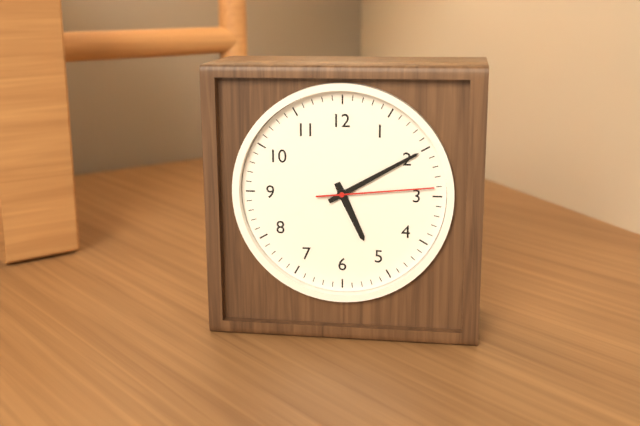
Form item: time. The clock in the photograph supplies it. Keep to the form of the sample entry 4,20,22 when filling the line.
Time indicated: 5,10,14
